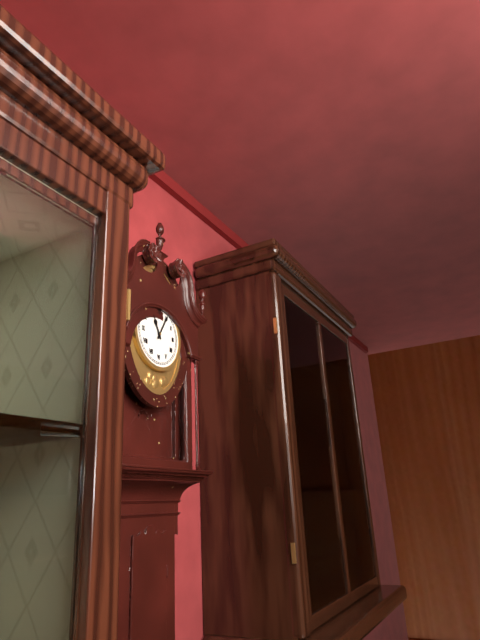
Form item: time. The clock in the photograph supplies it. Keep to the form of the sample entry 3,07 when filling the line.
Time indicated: 11,05
